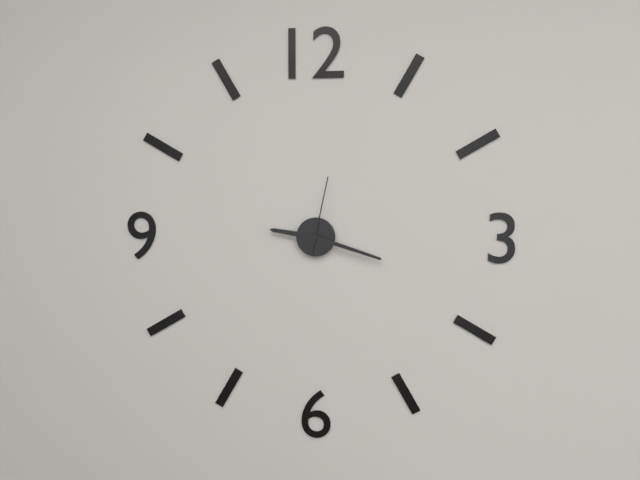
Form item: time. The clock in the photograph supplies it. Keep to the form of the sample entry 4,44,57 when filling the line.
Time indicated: 9,18,02
